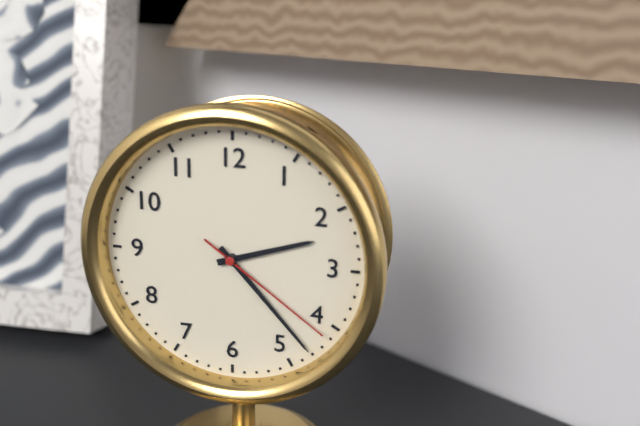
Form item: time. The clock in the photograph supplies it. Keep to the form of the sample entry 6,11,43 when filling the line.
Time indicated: 2,23,21
